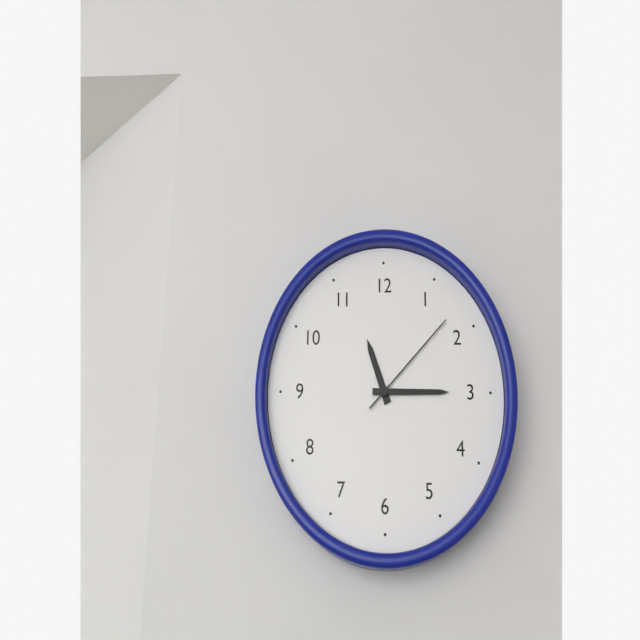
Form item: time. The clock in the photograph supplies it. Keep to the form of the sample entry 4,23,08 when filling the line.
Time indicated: 11,15,08
